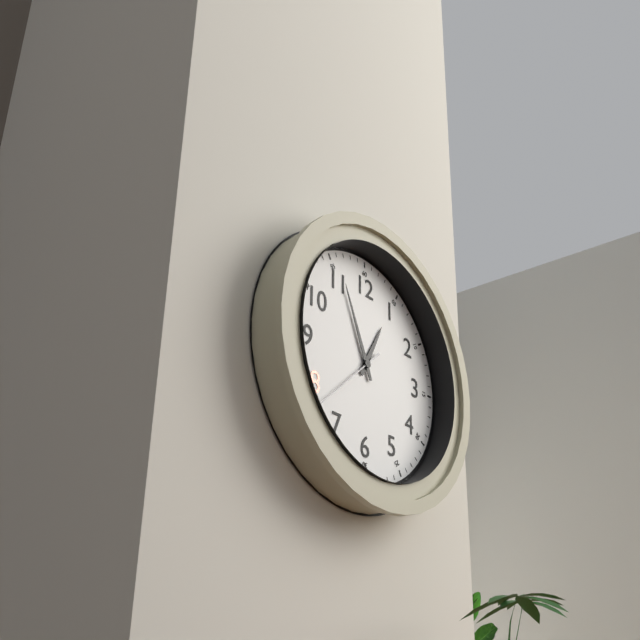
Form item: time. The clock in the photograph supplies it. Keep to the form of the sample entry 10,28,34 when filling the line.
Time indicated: 12,56,38
